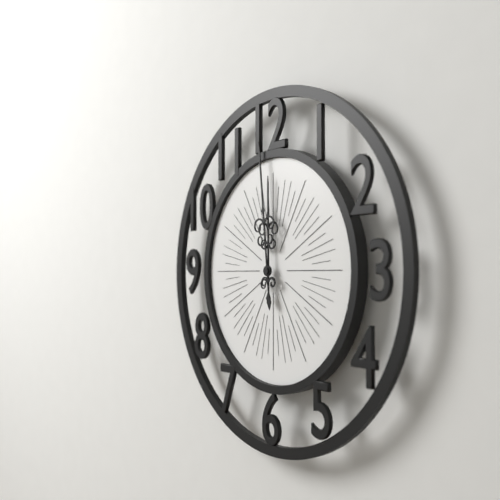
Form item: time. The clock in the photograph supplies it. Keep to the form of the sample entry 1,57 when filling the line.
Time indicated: 11,59
